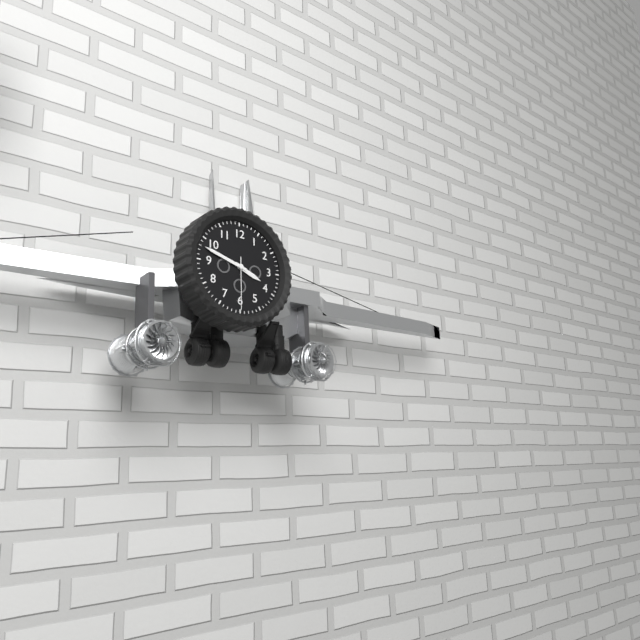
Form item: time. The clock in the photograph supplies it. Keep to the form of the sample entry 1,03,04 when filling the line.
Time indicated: 3,48,30
